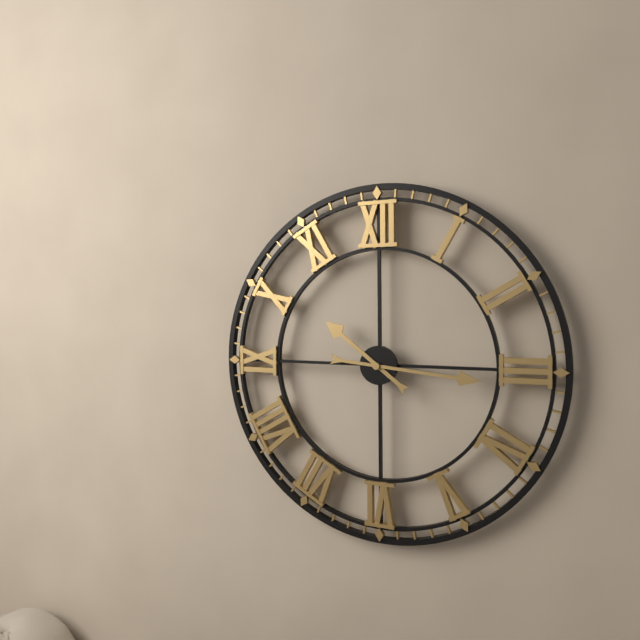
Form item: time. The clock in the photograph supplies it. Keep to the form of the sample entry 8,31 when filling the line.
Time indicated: 10,16
